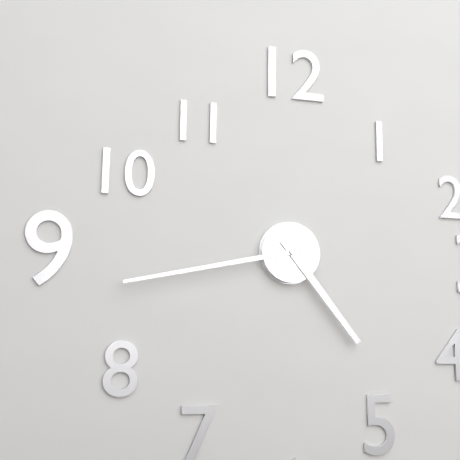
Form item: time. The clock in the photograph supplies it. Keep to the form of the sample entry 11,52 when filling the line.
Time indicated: 4,43
